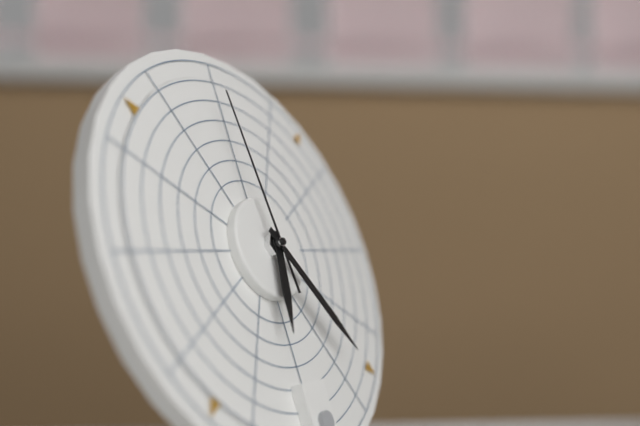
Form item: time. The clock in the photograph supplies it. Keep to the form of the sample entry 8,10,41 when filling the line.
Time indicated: 6,24,59
